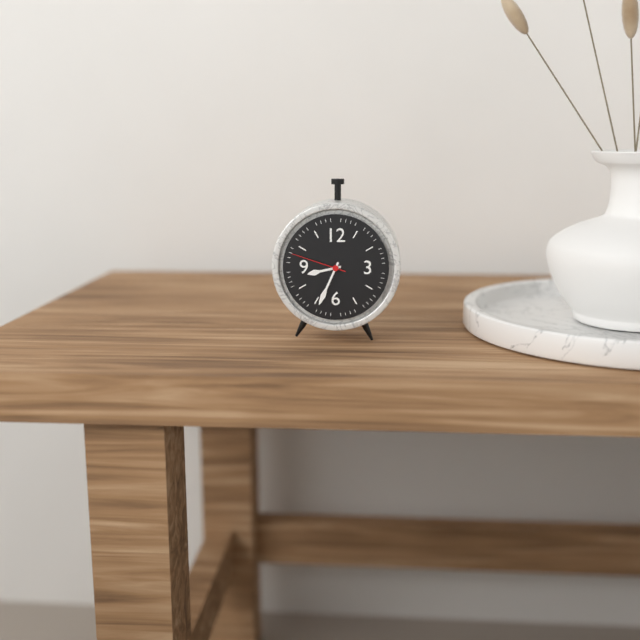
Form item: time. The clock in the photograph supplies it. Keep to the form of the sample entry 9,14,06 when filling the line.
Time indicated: 8,34,48
